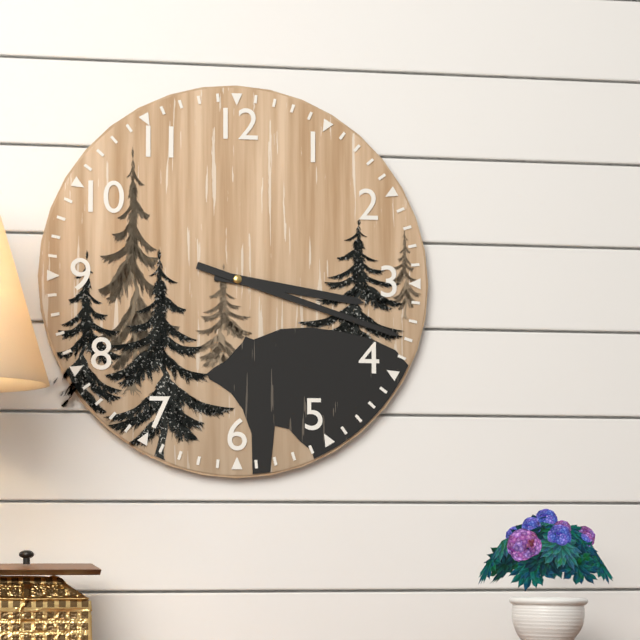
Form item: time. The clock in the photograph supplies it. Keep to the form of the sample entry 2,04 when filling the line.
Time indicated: 3,18
